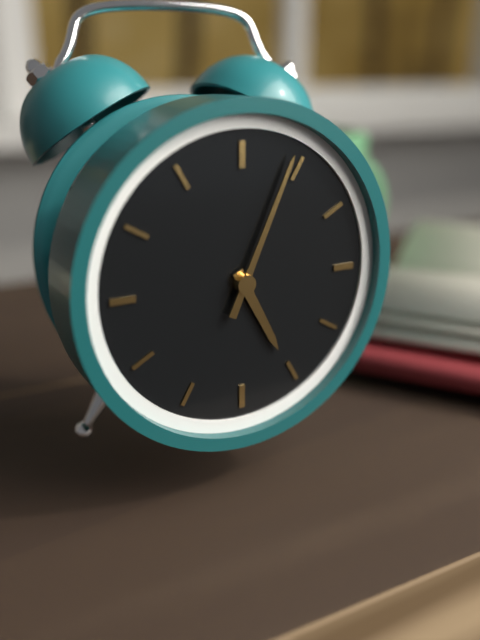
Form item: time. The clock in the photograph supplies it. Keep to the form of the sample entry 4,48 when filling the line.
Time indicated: 5,04
